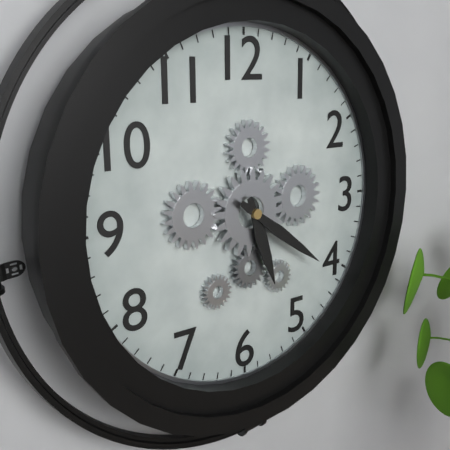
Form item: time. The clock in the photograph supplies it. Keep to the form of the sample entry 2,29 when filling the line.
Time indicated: 5,21
